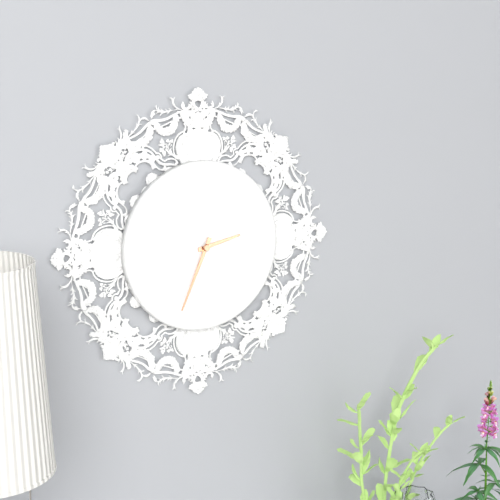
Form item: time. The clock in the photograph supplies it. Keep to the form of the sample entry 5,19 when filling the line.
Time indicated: 2,34
